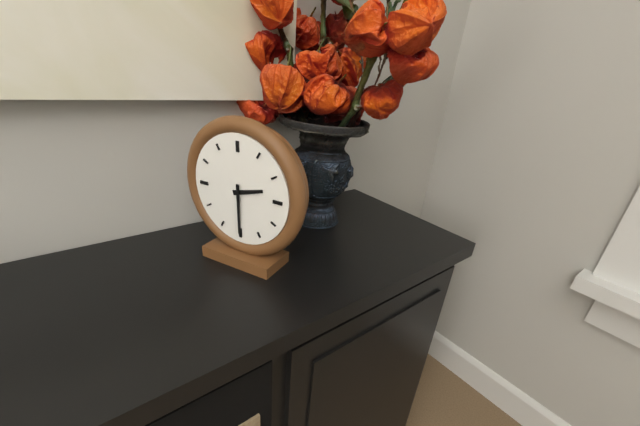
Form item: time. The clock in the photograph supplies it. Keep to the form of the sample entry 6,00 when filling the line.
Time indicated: 2,30
